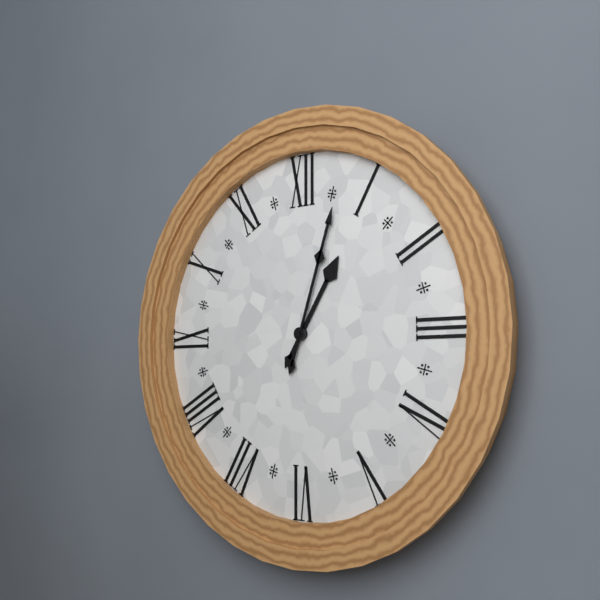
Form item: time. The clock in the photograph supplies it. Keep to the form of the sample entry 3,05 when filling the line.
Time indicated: 1,03
